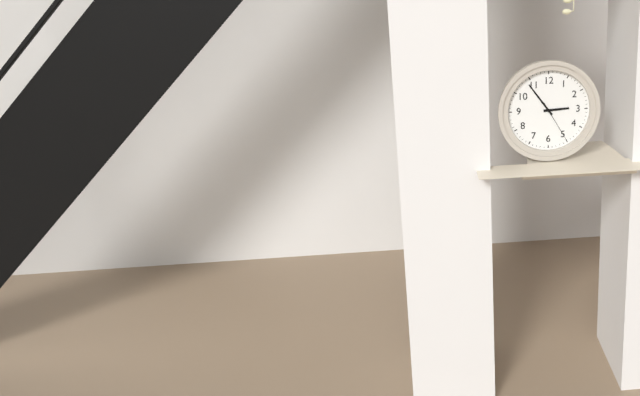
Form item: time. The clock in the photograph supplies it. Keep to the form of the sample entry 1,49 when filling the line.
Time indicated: 2,54
